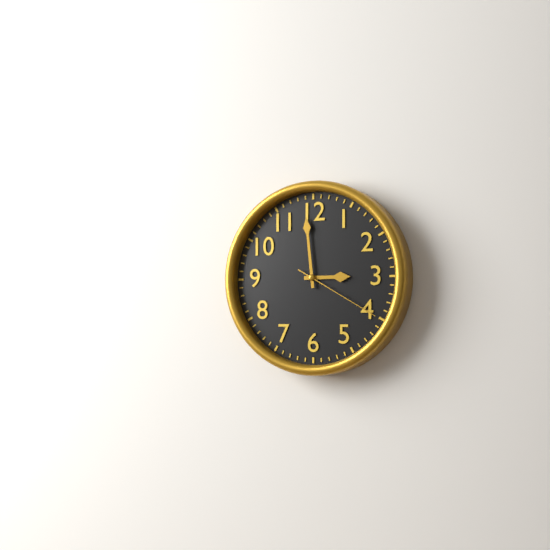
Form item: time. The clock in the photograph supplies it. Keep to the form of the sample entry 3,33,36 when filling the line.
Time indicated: 2,59,20
